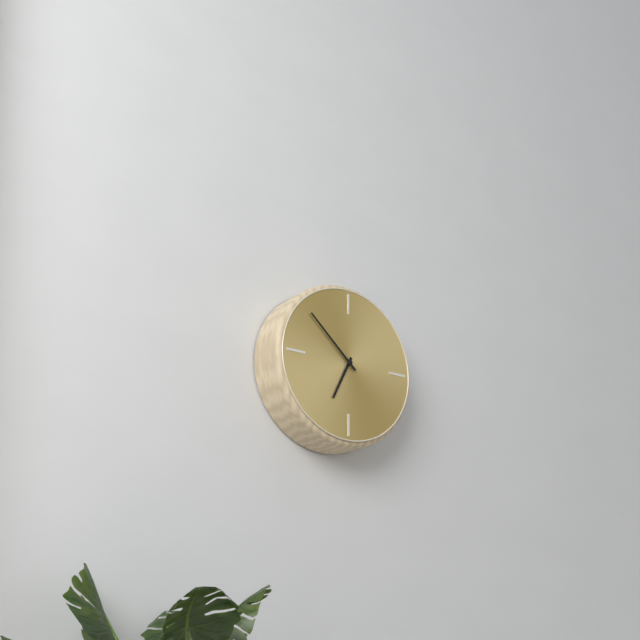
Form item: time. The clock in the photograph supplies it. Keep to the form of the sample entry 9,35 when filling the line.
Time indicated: 6,52
